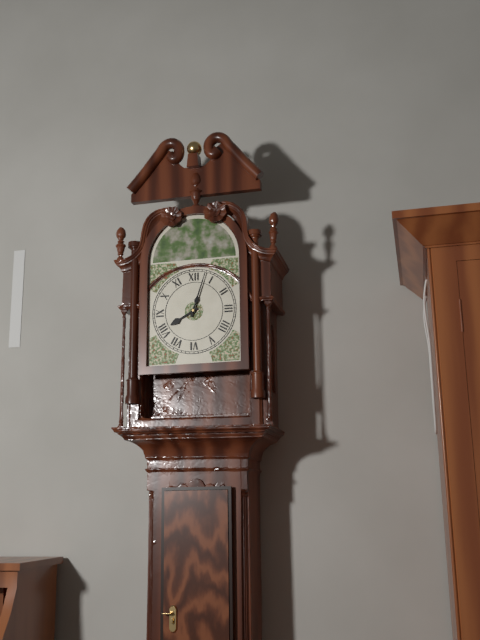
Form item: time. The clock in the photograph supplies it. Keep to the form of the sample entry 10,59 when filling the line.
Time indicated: 8,03
